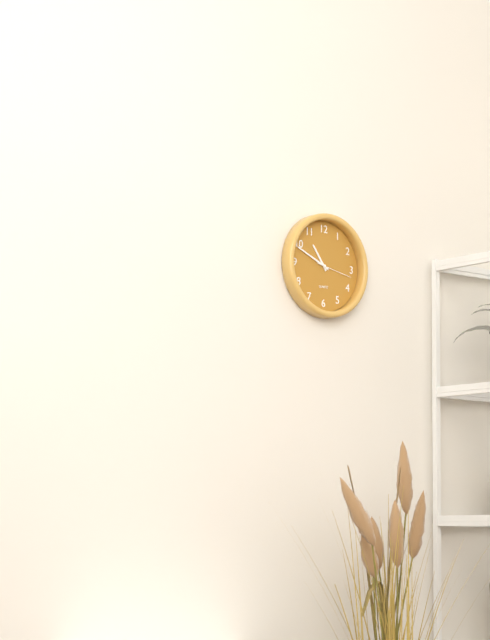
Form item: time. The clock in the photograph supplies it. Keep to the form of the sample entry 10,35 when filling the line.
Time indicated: 10,49
